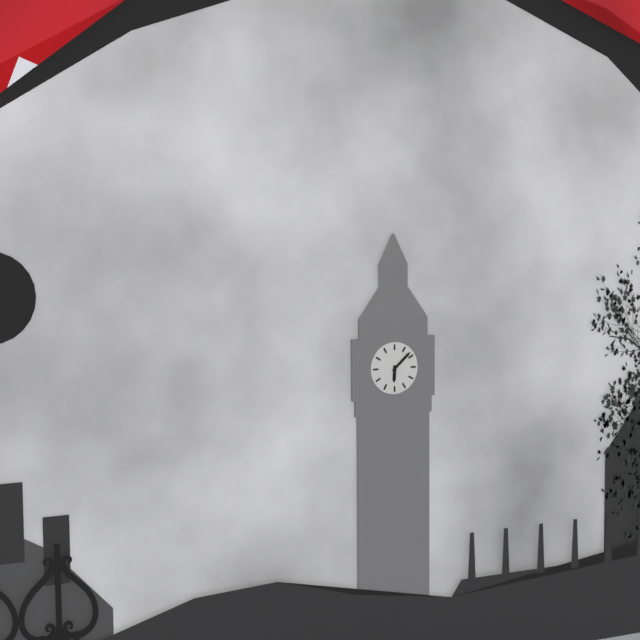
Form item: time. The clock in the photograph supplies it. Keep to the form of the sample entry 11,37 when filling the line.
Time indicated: 6,08
